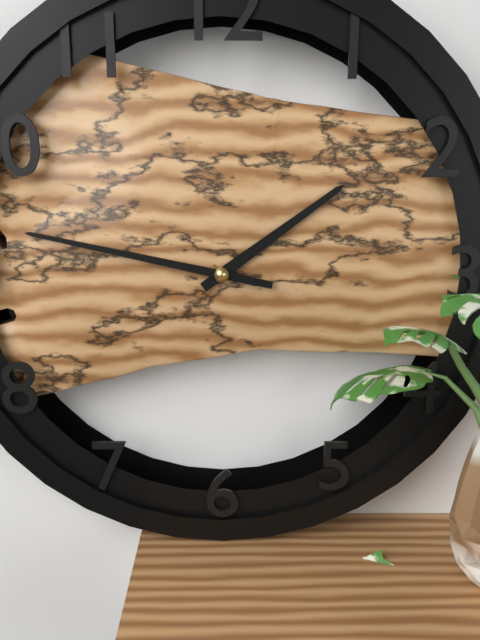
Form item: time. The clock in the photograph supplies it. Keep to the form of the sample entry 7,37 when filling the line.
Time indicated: 1,47
